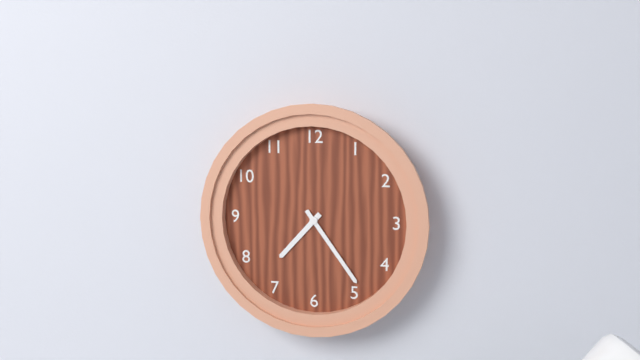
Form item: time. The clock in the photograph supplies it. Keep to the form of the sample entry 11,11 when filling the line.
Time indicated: 7,24
